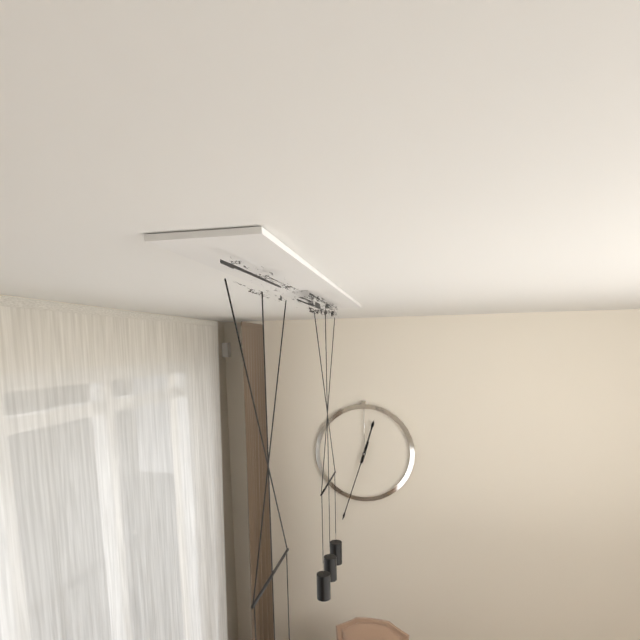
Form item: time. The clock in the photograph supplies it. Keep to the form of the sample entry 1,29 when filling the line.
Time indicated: 12,33
